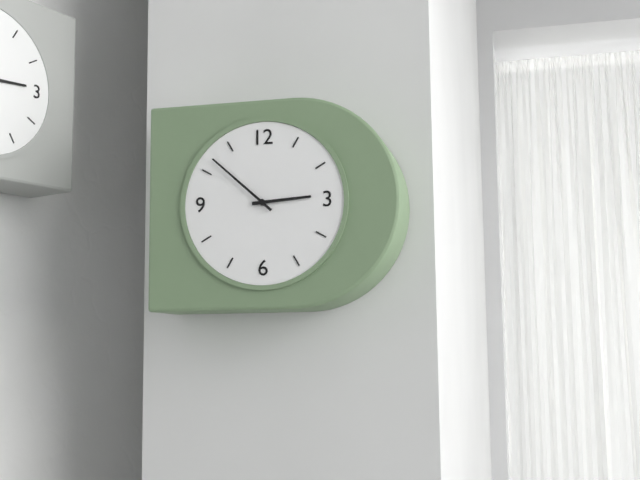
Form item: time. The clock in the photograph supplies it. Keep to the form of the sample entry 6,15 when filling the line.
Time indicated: 2,52
